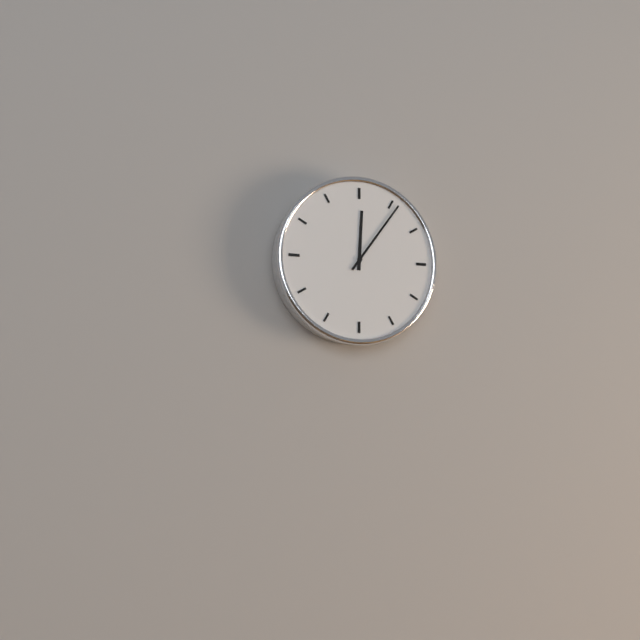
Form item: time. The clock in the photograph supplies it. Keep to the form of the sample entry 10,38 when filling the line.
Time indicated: 12,06
